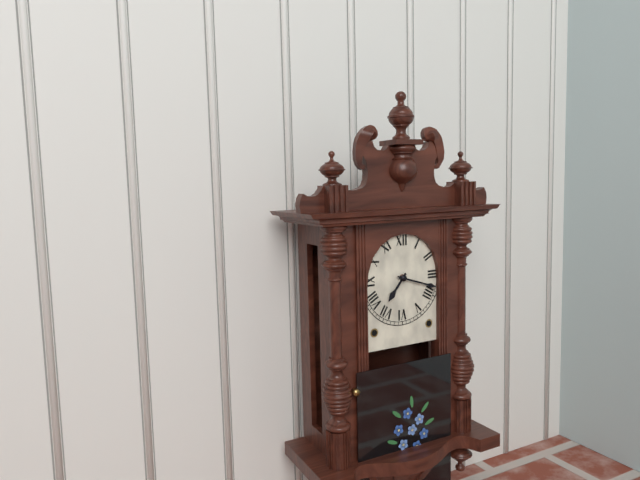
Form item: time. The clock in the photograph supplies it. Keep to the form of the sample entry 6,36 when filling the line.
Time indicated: 7,18
